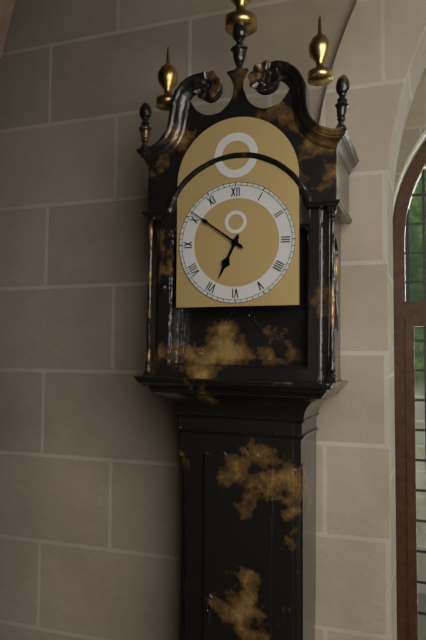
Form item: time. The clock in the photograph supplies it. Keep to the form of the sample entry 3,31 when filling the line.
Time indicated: 6,51
